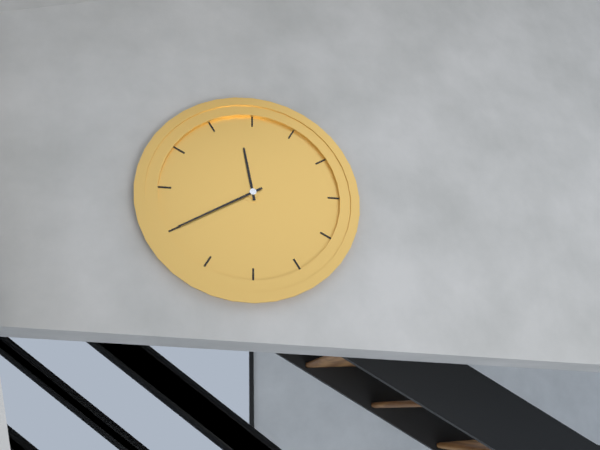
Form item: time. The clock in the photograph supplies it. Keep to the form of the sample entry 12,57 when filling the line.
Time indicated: 11,40
